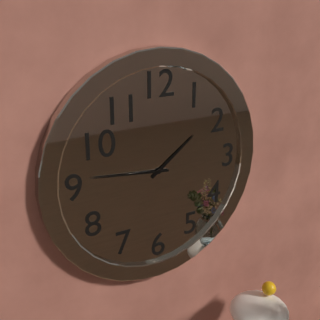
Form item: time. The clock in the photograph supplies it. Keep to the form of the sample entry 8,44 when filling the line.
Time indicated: 1,46
